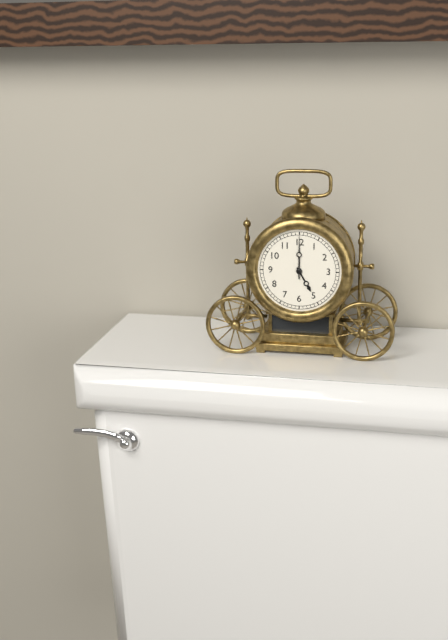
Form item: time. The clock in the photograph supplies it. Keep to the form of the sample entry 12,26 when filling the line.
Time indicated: 5,00
